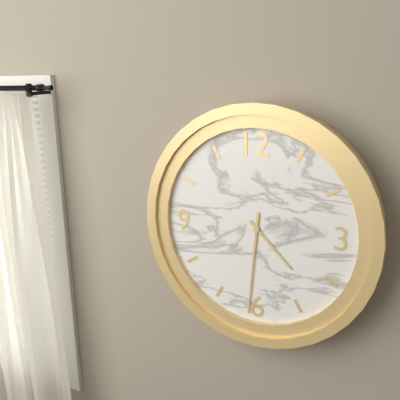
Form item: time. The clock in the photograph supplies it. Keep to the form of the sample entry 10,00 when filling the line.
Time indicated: 4,31
